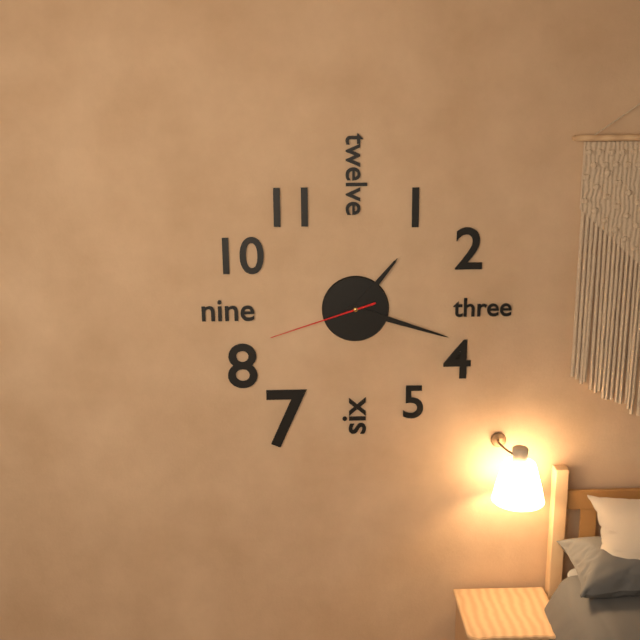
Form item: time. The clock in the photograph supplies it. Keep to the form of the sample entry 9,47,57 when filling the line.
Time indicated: 1,18,42
